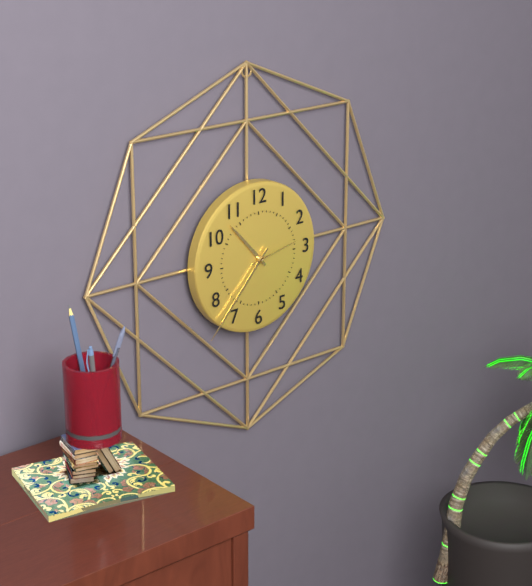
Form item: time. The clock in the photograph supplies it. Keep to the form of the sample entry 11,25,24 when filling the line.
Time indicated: 10,37,13
